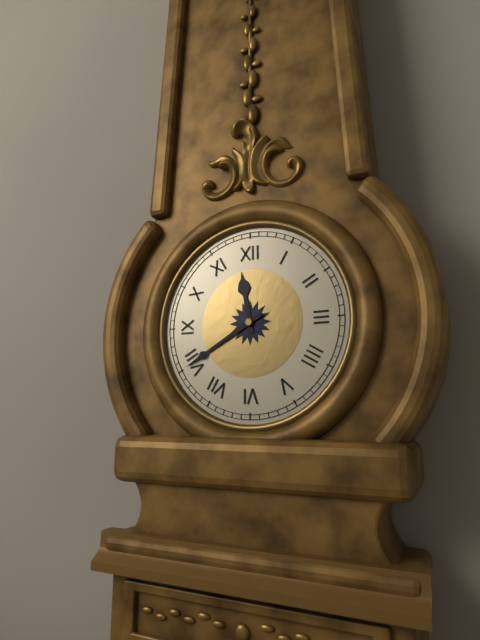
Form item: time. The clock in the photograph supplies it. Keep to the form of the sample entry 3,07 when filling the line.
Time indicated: 11,40
